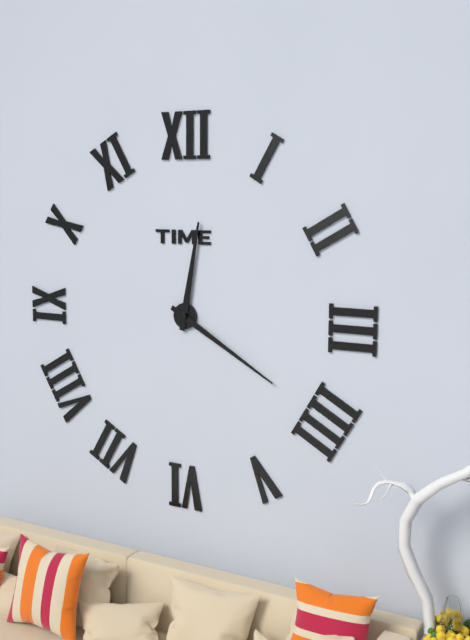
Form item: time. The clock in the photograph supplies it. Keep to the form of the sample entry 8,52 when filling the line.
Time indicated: 12,20
